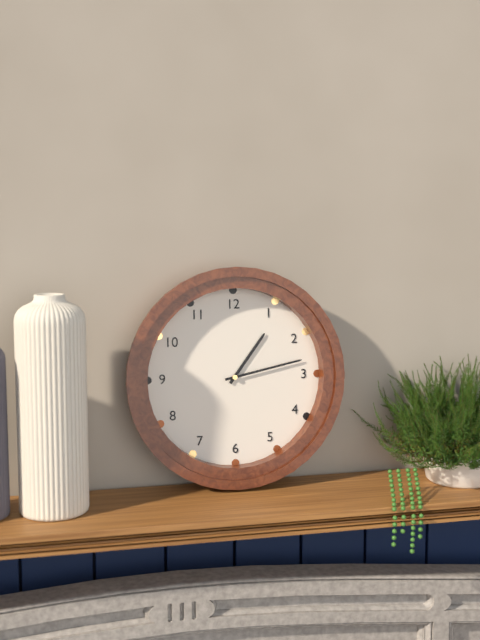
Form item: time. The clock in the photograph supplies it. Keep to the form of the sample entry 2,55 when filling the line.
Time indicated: 1,13
